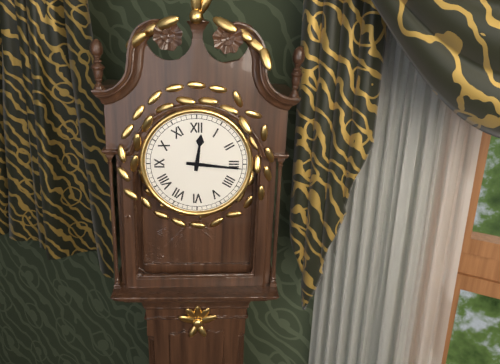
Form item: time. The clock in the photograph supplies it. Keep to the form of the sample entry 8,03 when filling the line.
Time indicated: 12,16
